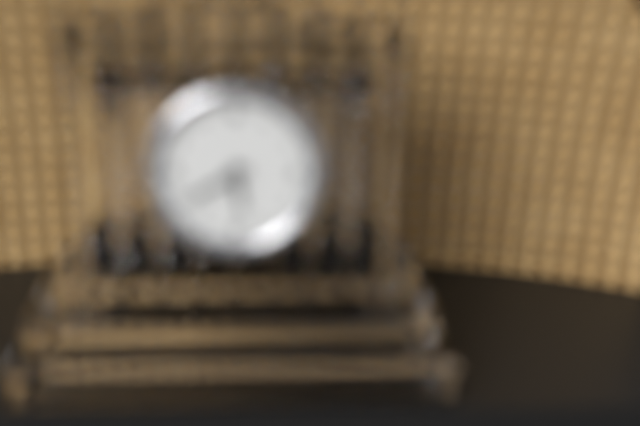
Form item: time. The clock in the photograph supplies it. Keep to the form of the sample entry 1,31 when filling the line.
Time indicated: 5,40
